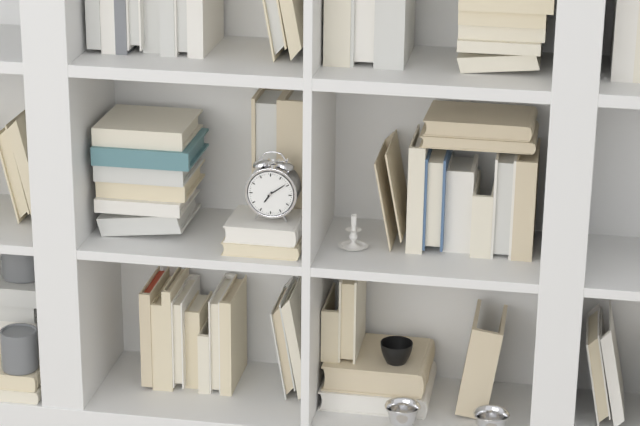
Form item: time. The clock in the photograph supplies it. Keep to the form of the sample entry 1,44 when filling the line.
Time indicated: 7,09
